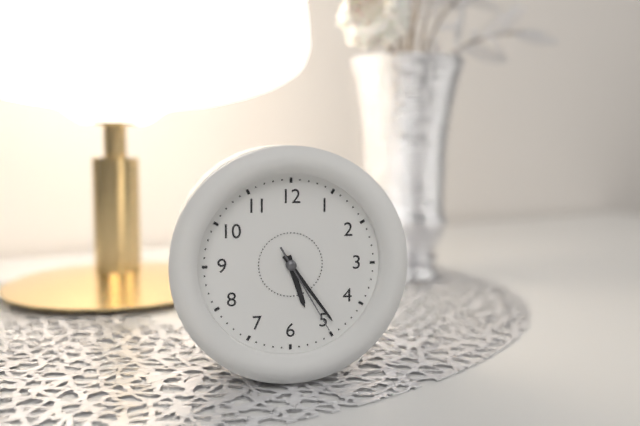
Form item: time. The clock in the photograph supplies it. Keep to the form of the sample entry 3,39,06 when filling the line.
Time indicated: 5,24,25
